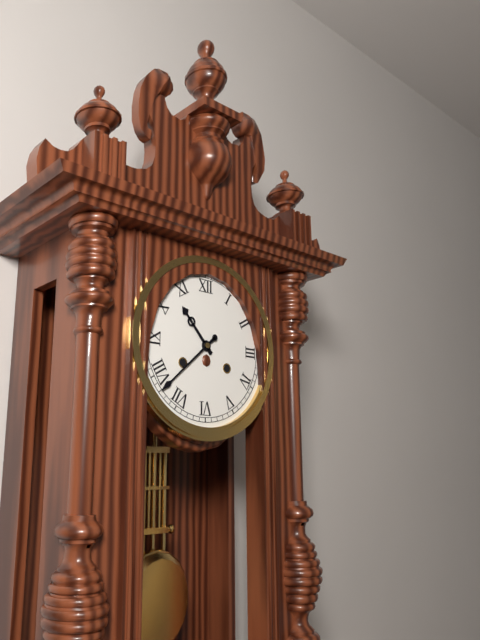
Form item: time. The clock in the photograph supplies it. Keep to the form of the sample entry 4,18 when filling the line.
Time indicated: 10,38
